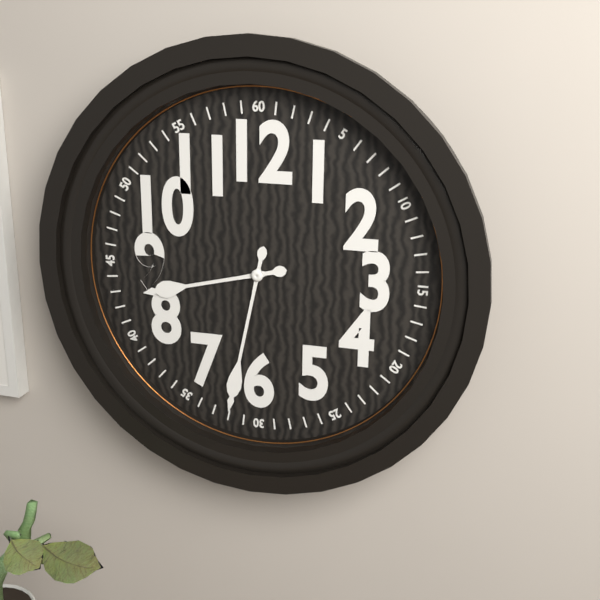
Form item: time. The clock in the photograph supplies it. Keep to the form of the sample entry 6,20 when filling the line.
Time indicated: 8,32
